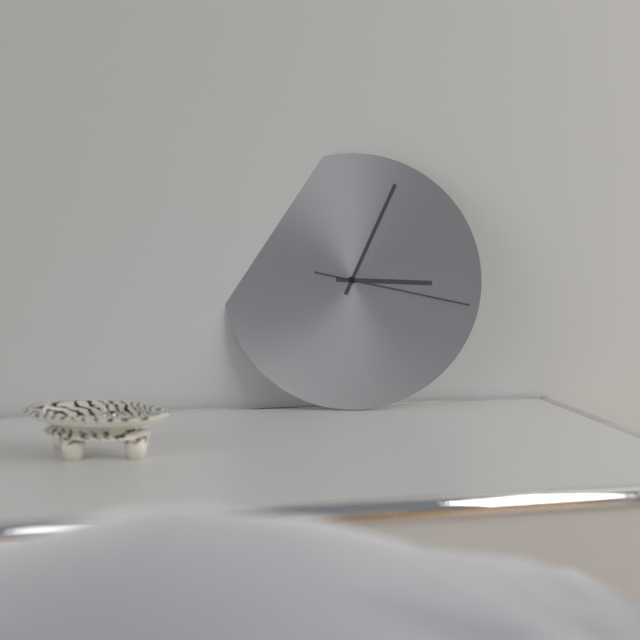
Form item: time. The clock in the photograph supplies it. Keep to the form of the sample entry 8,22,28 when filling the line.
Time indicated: 3,04,17
